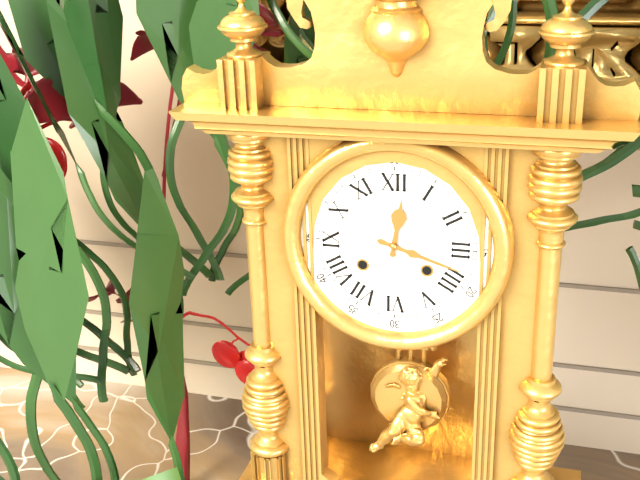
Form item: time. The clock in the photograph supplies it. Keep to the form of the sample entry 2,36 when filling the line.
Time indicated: 12,18
